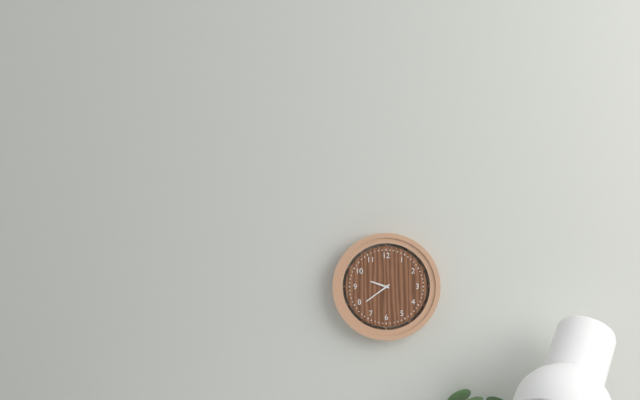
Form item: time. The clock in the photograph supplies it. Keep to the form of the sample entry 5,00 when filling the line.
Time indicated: 9,39
